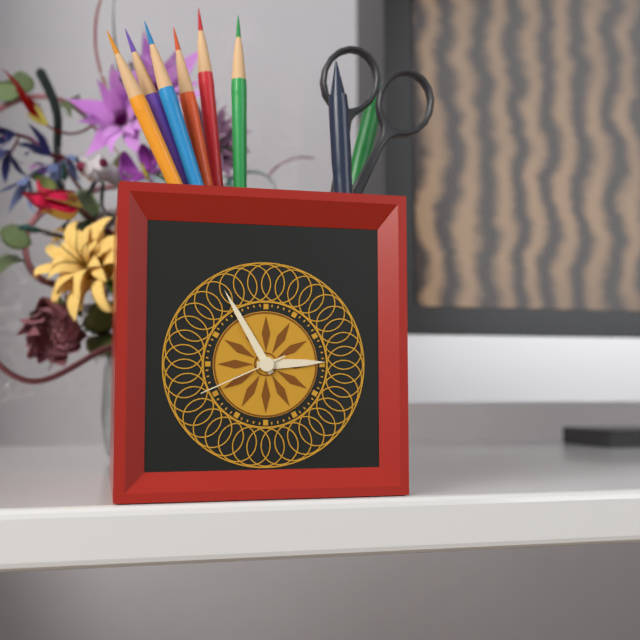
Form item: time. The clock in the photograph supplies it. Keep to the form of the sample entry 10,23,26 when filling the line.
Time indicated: 2,55,41
